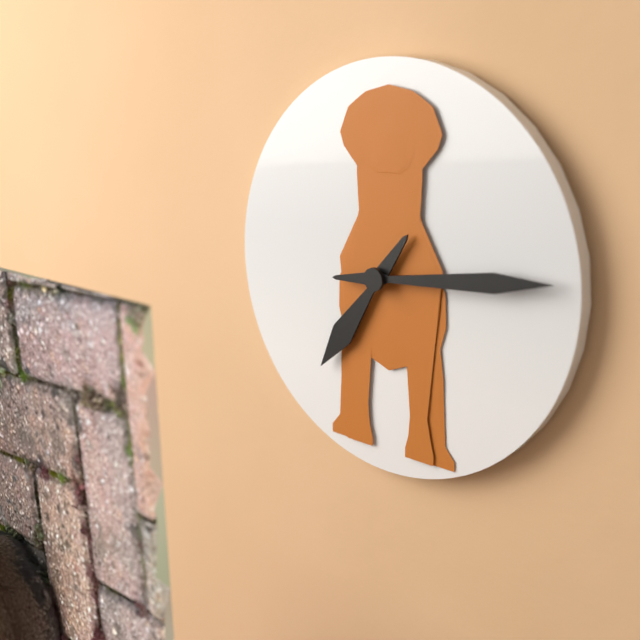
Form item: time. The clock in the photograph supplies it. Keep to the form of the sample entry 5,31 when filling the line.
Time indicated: 7,14
